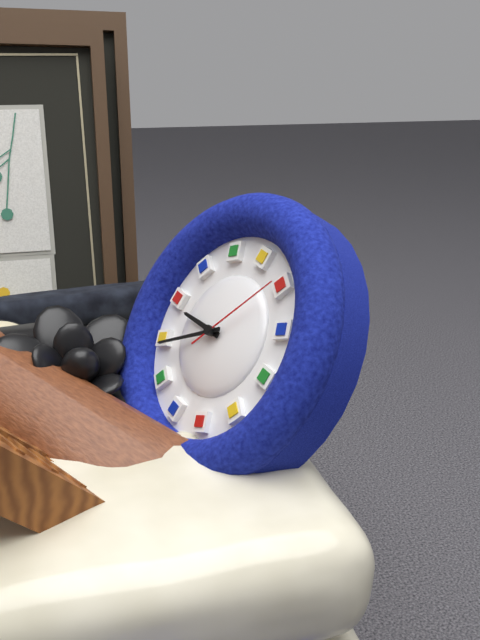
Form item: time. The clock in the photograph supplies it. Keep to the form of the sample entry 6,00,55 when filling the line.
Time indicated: 10,49,15
